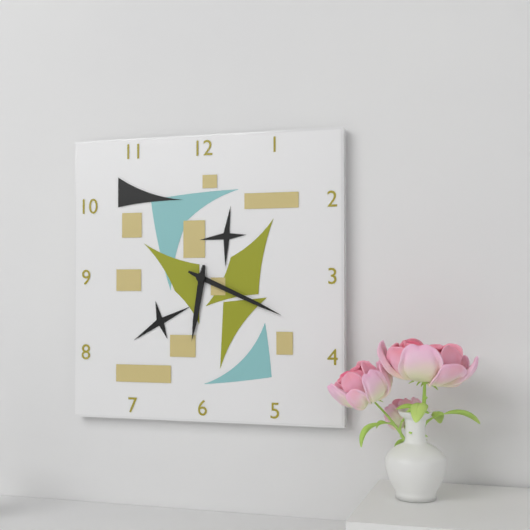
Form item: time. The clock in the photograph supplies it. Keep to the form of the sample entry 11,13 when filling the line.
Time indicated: 6,19
